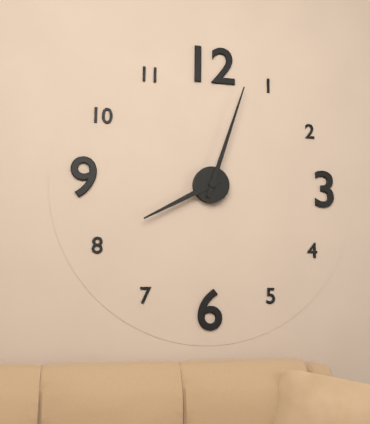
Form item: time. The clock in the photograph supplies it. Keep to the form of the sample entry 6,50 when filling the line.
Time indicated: 8,03
